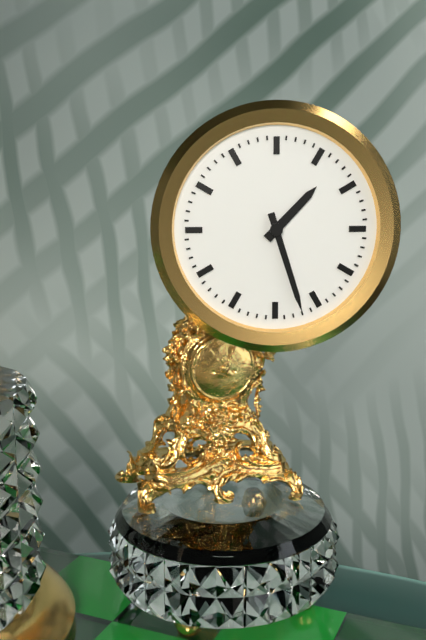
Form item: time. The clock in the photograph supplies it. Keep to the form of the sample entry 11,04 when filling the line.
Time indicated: 1,27
